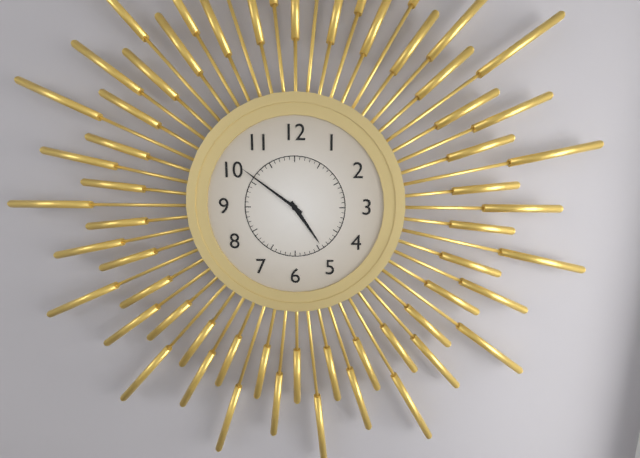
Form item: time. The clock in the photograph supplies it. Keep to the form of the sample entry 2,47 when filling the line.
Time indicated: 4,51
